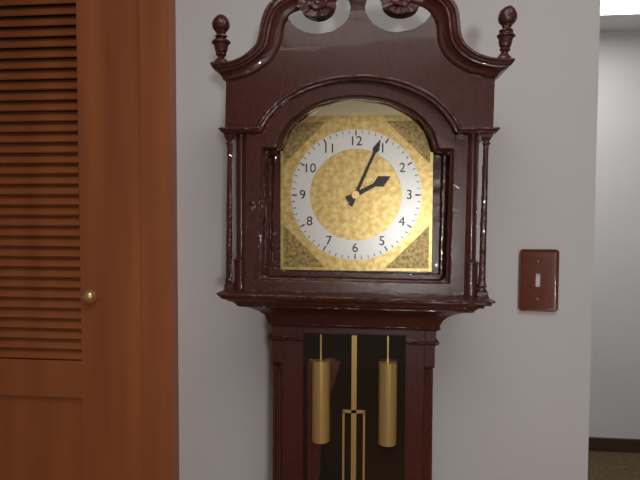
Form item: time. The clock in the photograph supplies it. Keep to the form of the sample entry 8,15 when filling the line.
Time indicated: 2,04
